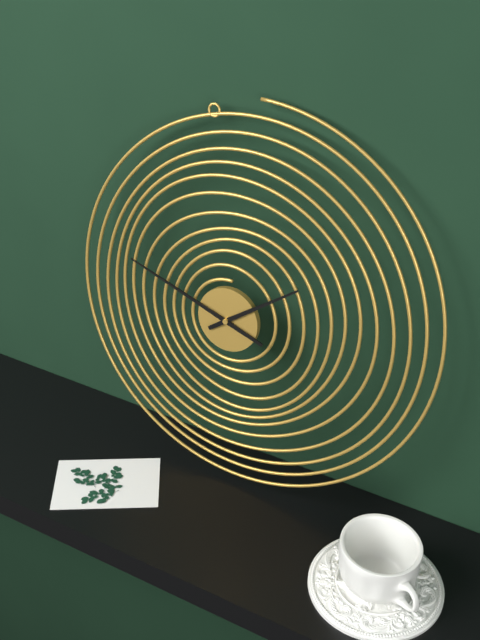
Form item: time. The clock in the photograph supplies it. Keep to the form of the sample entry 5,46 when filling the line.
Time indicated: 1,48
